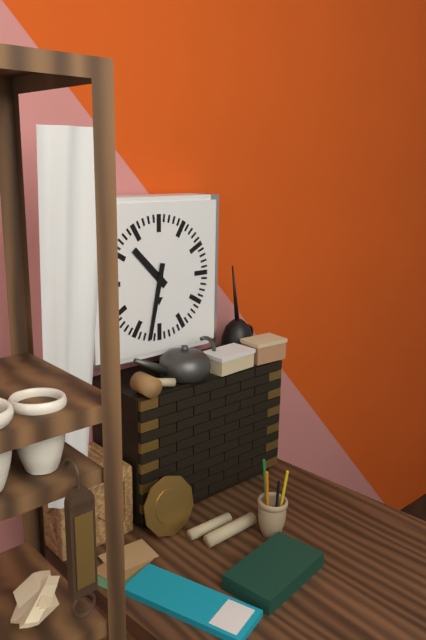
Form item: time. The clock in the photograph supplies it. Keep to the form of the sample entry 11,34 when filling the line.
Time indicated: 10,32
